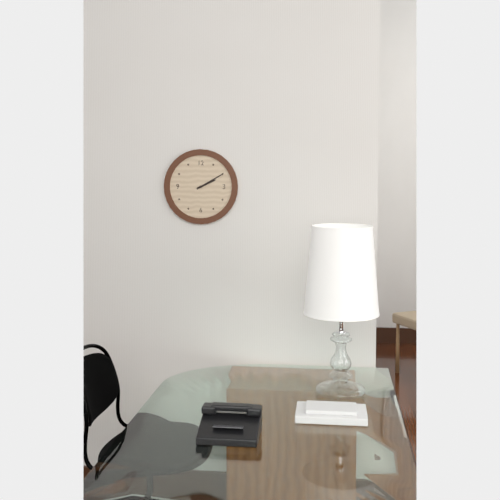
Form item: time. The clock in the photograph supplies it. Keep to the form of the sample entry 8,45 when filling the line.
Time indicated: 2,10
